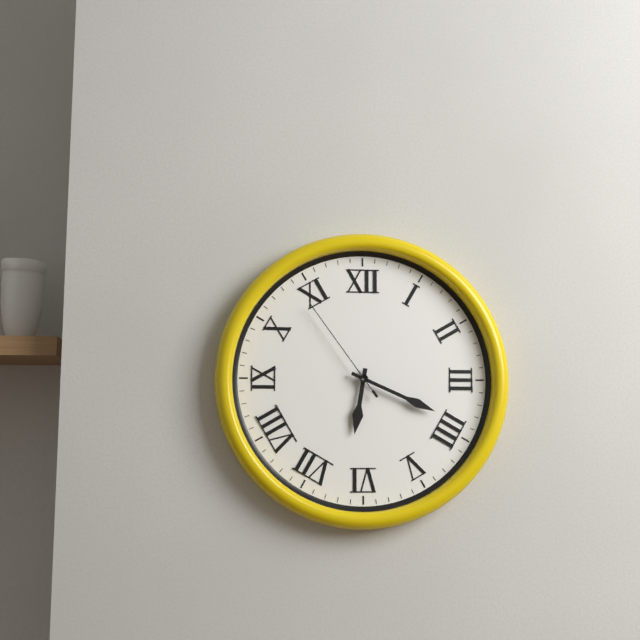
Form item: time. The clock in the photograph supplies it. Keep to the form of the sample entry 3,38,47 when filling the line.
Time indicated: 6,19,54
